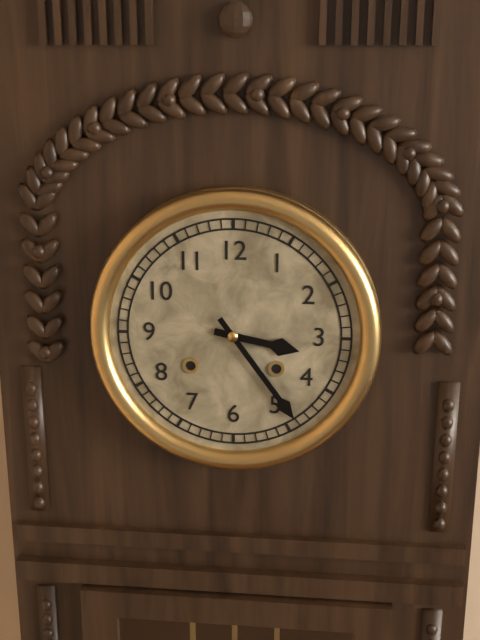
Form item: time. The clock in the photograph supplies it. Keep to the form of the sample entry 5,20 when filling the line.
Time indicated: 3,24
